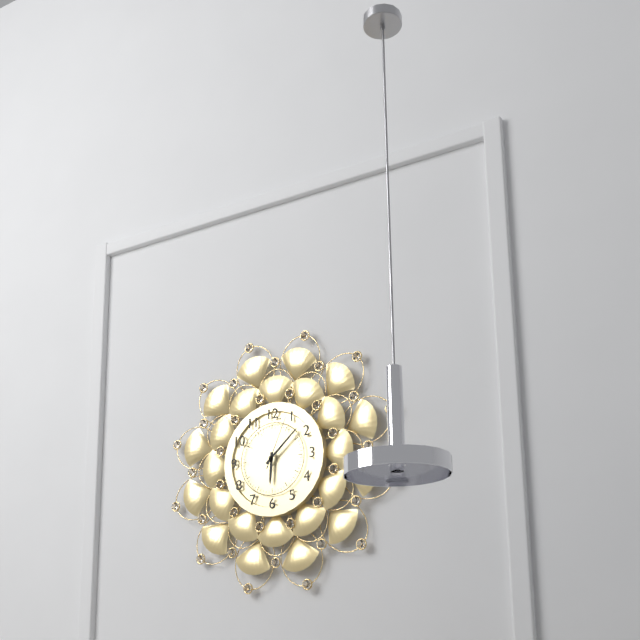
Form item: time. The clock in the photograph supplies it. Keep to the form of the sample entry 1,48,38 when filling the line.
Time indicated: 6,08,04
